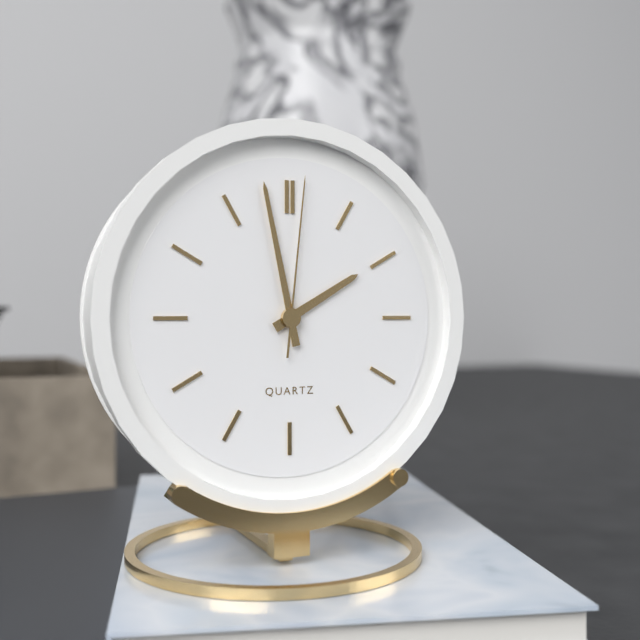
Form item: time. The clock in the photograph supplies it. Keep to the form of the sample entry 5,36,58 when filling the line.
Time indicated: 1,58,01
